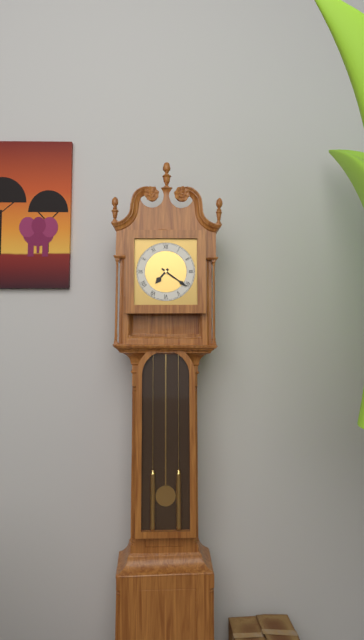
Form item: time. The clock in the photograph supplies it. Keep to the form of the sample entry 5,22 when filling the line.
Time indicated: 7,21
